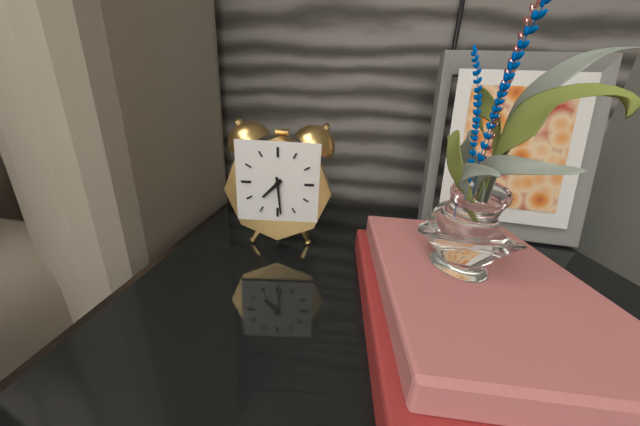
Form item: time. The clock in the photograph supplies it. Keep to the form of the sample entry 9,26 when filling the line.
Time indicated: 7,29
